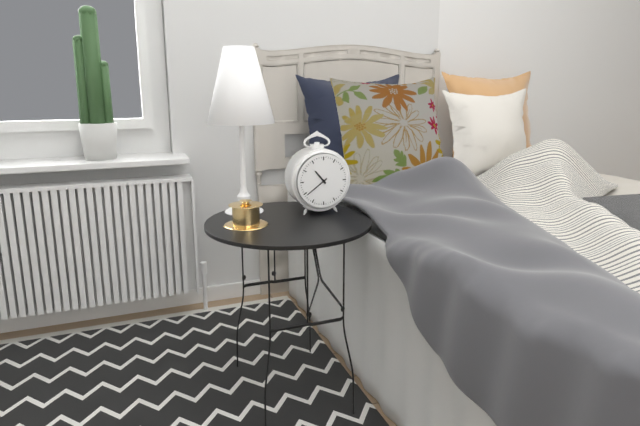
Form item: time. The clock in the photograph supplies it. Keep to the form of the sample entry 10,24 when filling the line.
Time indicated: 10,39
